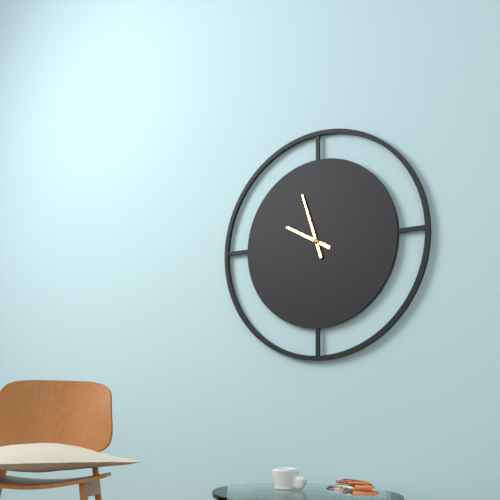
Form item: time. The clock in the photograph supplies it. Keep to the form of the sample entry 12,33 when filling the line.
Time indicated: 9,57
